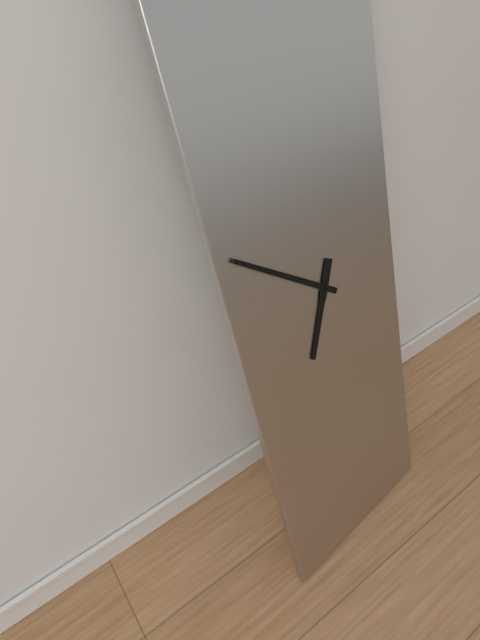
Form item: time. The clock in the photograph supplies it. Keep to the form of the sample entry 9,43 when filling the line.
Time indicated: 6,51
